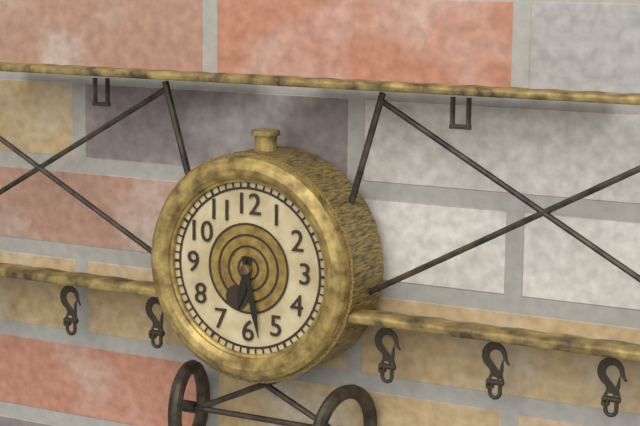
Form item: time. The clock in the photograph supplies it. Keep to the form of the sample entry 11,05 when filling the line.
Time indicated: 6,28
